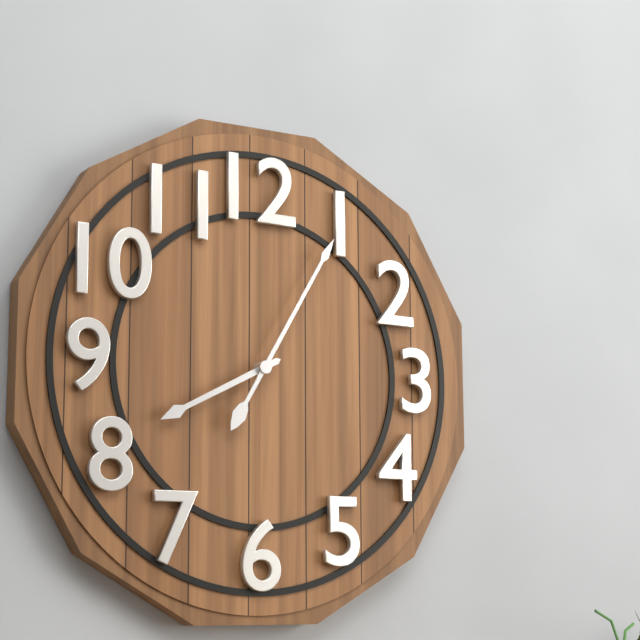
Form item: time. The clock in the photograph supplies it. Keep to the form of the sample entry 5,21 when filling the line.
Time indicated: 8,05
